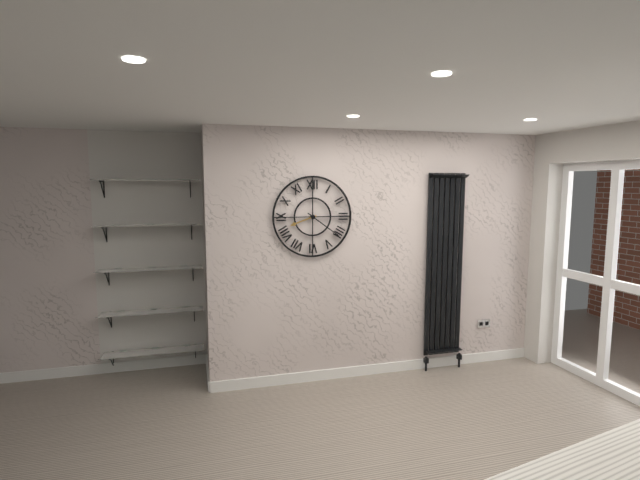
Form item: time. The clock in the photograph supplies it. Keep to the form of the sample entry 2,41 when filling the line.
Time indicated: 8,21
